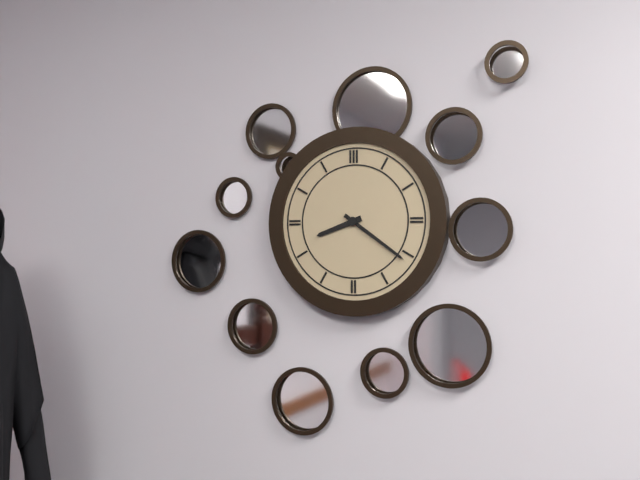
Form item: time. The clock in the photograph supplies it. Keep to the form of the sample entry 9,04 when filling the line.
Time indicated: 8,21
